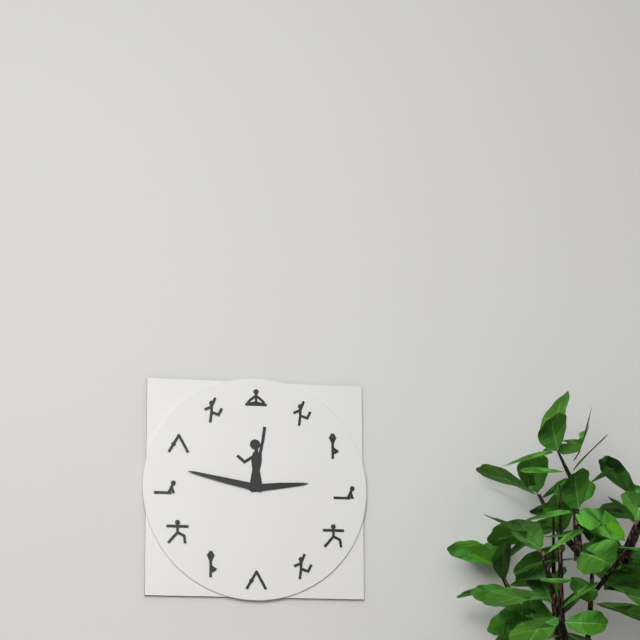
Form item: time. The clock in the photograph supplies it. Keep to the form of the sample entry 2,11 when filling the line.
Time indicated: 2,47
